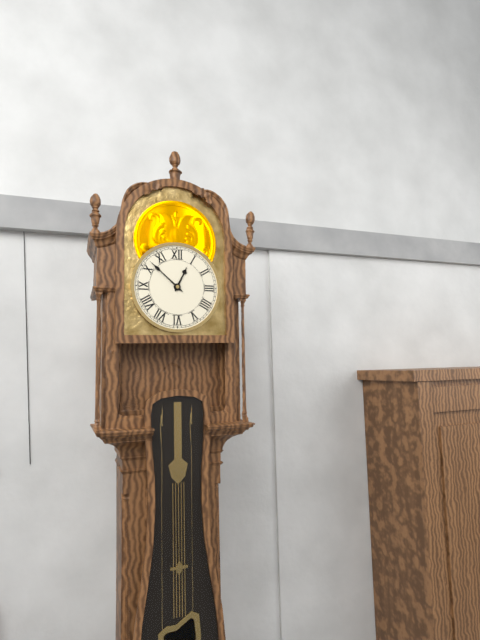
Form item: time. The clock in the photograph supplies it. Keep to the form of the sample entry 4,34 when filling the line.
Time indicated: 12,52
